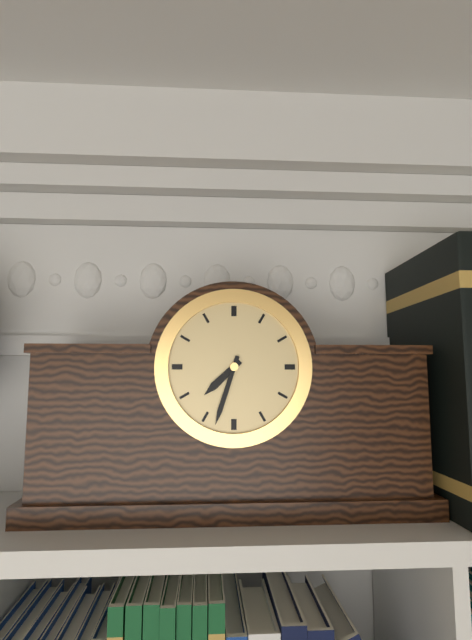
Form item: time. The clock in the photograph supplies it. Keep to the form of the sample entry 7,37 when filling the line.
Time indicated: 7,33
